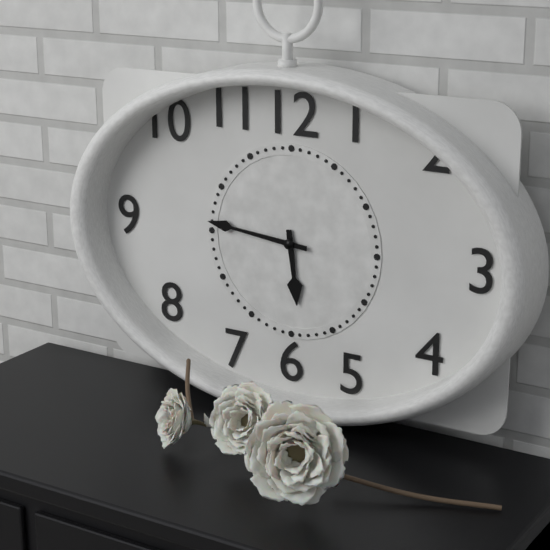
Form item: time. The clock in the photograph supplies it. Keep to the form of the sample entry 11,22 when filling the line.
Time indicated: 5,46
